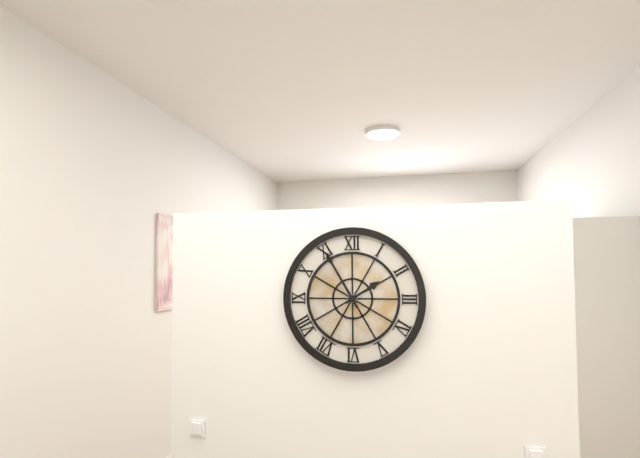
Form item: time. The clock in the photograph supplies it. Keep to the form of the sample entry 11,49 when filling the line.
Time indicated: 1,55
